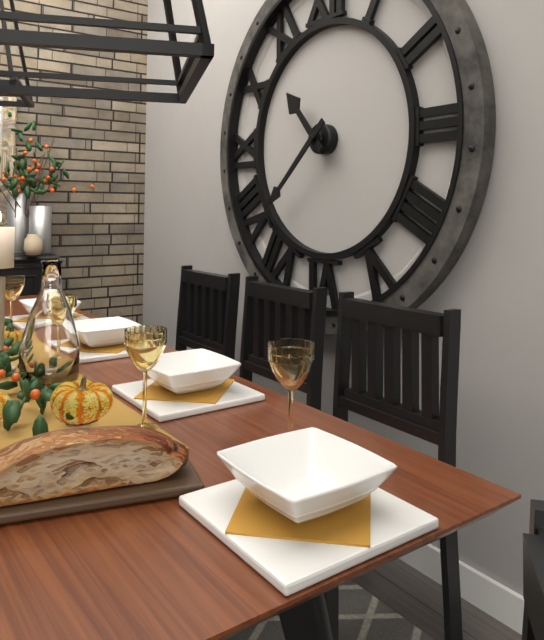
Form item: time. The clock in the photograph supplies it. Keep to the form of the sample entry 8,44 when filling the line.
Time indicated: 10,38
